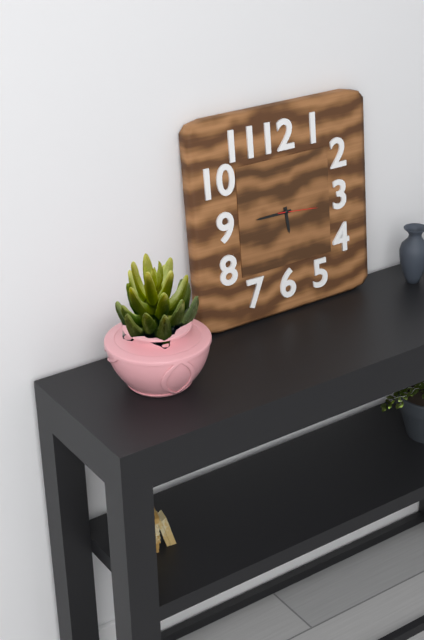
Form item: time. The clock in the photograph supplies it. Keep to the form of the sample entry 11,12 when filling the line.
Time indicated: 5,45
